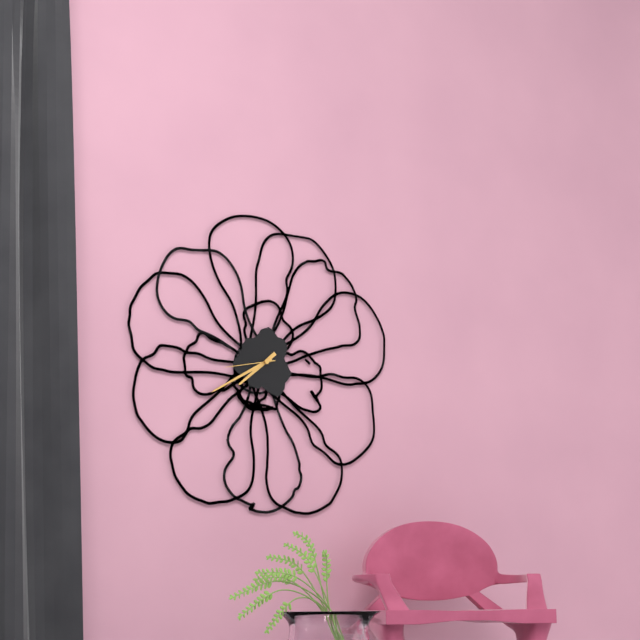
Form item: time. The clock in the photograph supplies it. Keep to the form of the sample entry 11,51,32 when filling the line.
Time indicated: 7,40,43
